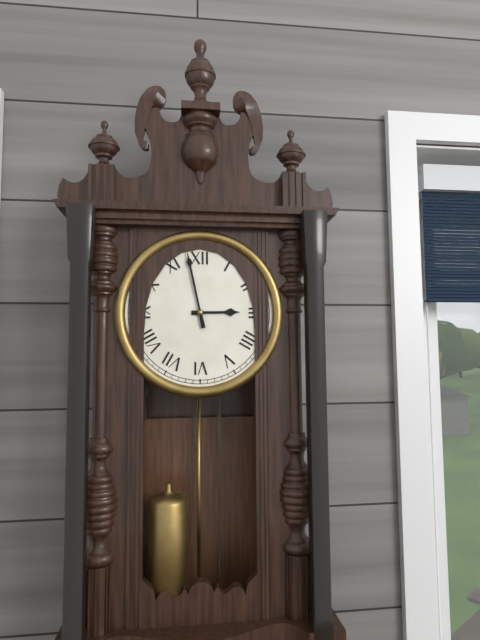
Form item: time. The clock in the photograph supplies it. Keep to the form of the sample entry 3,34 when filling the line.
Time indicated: 2,58
